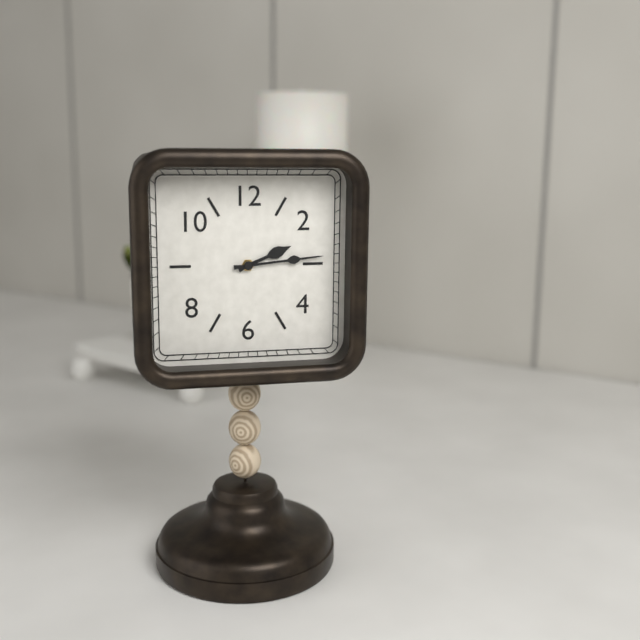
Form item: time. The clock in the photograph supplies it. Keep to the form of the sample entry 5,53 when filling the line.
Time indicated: 2,14
